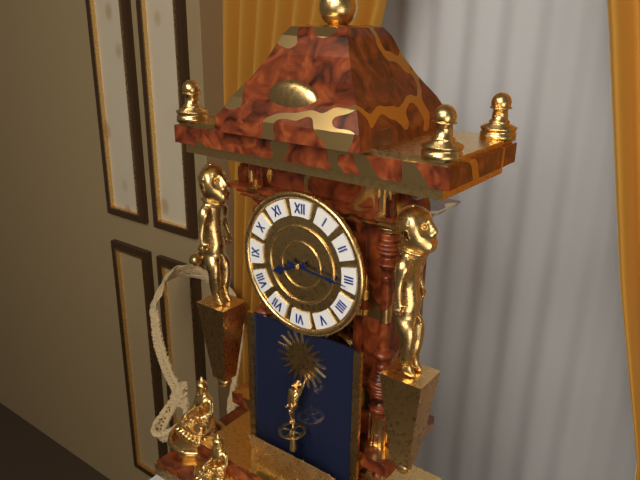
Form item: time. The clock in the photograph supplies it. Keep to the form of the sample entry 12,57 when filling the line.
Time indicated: 8,16
